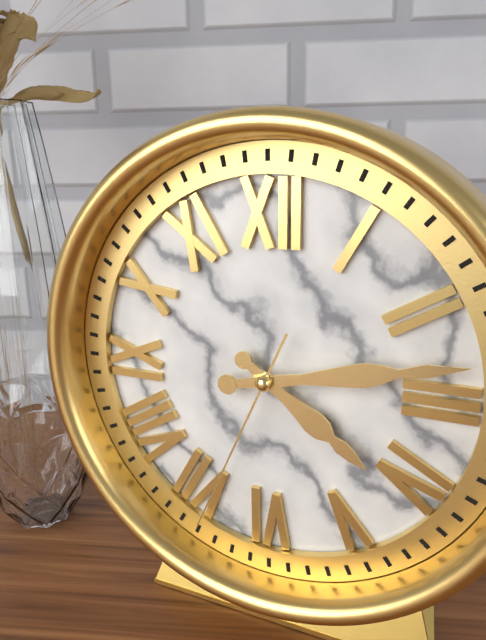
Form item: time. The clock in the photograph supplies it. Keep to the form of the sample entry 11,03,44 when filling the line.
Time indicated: 4,13,34
